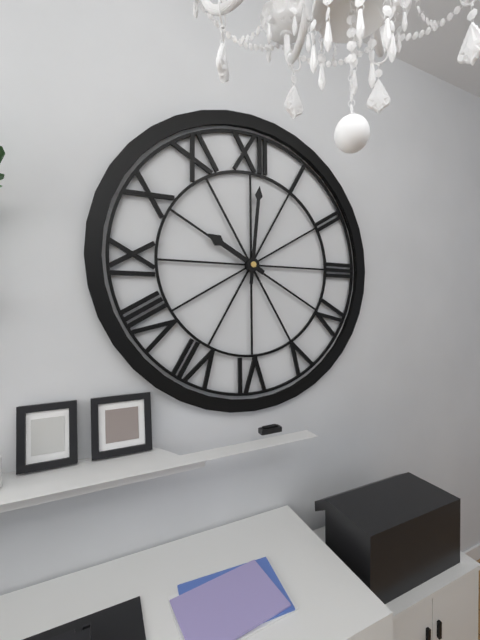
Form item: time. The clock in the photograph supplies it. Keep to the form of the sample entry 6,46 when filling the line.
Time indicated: 10,01
